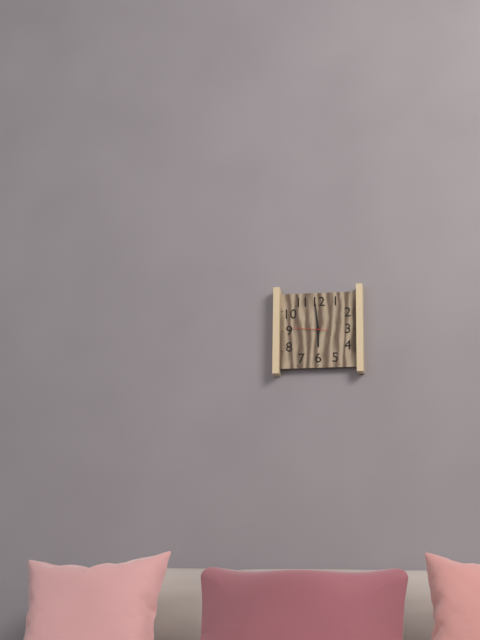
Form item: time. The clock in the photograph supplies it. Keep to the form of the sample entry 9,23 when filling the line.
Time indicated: 5,59
